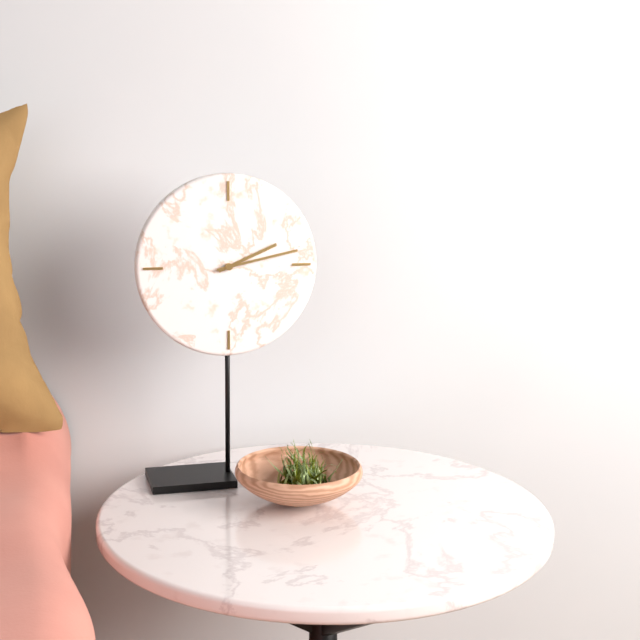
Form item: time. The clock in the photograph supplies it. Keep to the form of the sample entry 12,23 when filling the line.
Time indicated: 2,13
